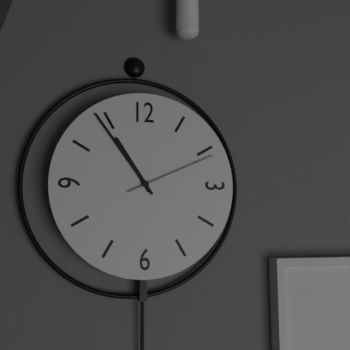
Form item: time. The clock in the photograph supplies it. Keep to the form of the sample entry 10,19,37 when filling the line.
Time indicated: 10,54,11
